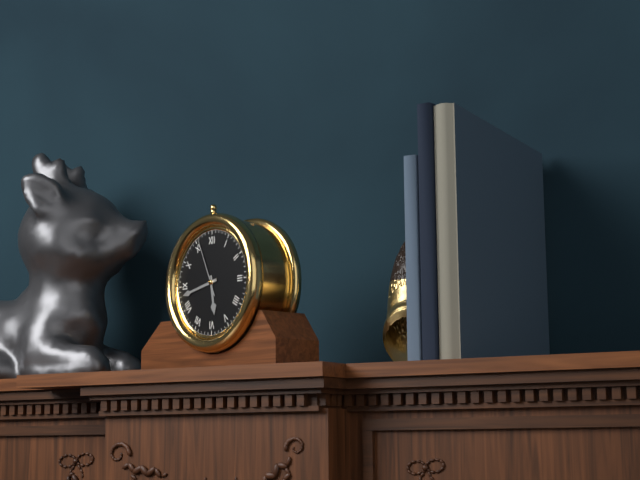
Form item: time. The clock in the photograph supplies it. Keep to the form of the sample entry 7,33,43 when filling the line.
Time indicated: 5,43,56
